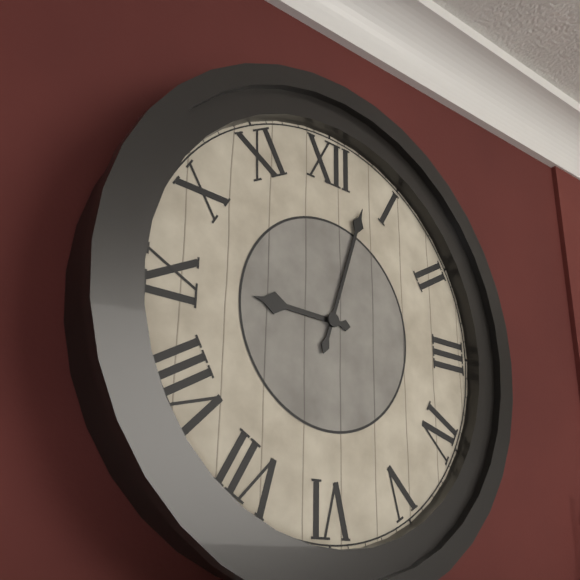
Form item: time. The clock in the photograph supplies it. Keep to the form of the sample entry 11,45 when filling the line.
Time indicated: 9,03
